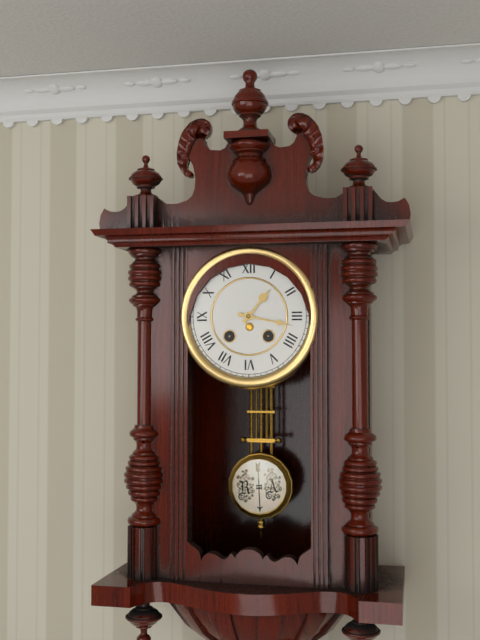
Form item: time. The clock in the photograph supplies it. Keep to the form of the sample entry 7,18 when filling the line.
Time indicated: 1,17
